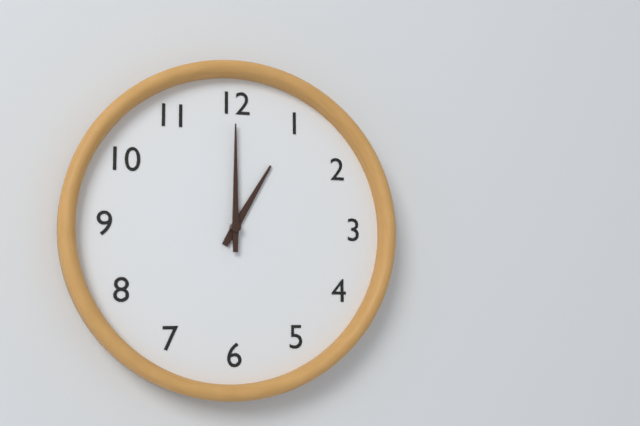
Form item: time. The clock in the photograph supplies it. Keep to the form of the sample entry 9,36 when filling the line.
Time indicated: 1,00
